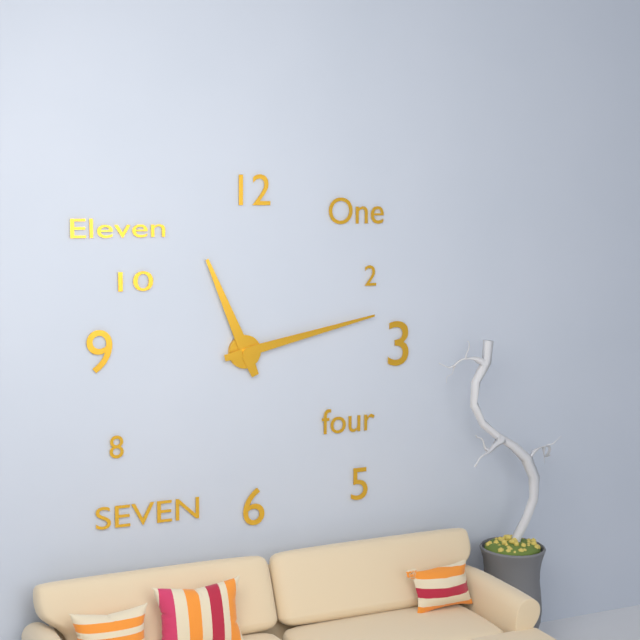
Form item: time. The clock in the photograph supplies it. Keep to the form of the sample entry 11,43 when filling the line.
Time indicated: 11,13
